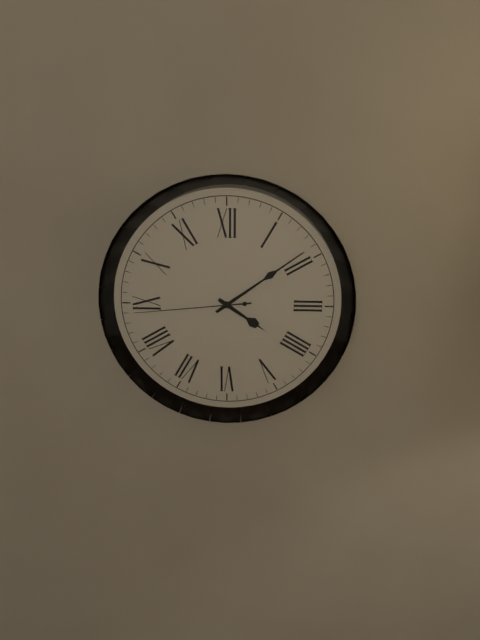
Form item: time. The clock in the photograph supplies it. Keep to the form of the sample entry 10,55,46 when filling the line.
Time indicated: 4,09,44
